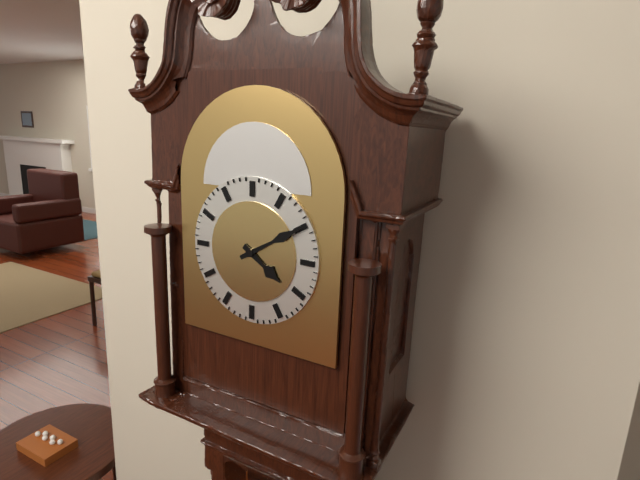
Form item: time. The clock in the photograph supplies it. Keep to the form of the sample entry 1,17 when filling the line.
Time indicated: 4,10
